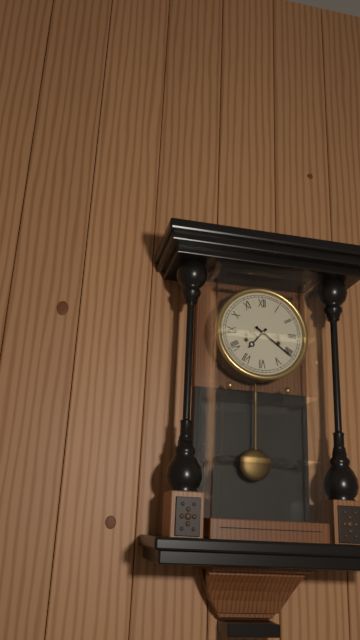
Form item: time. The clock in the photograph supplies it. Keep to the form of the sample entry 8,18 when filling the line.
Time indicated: 7,21
